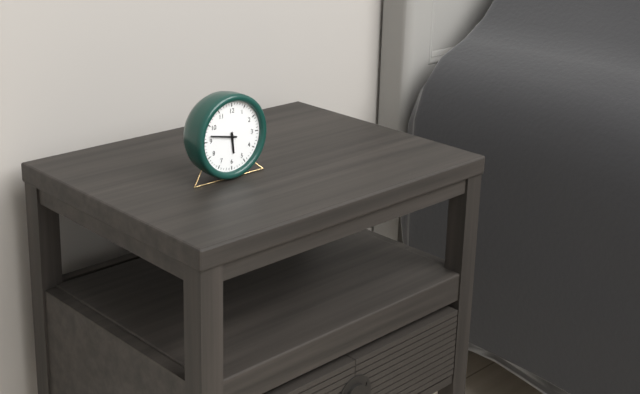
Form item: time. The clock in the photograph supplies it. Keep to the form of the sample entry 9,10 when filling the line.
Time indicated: 5,47
